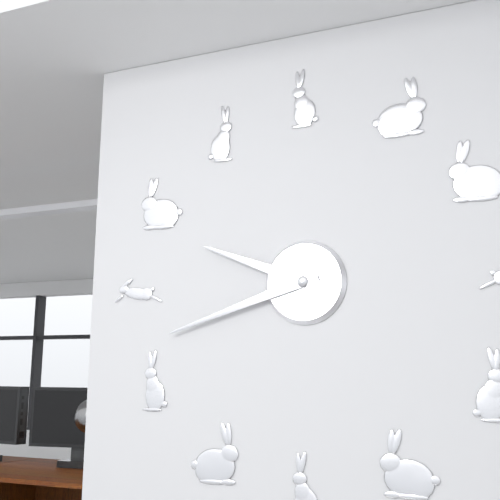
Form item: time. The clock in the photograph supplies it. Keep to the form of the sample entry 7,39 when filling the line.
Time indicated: 9,42
